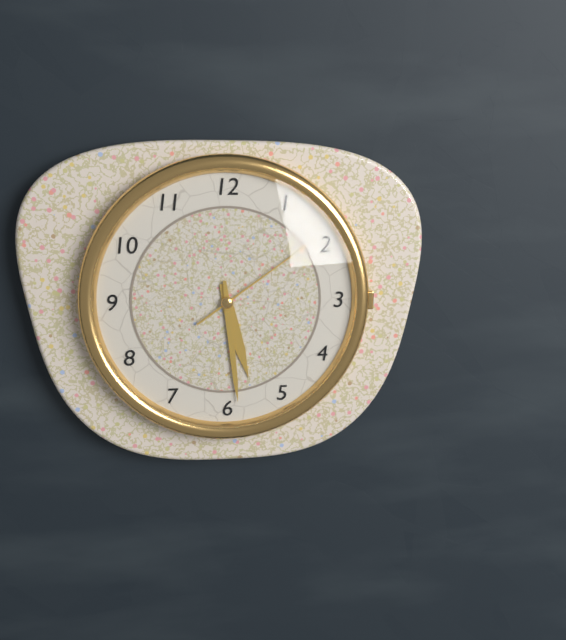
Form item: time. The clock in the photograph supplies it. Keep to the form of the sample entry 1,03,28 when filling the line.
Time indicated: 5,29,09
